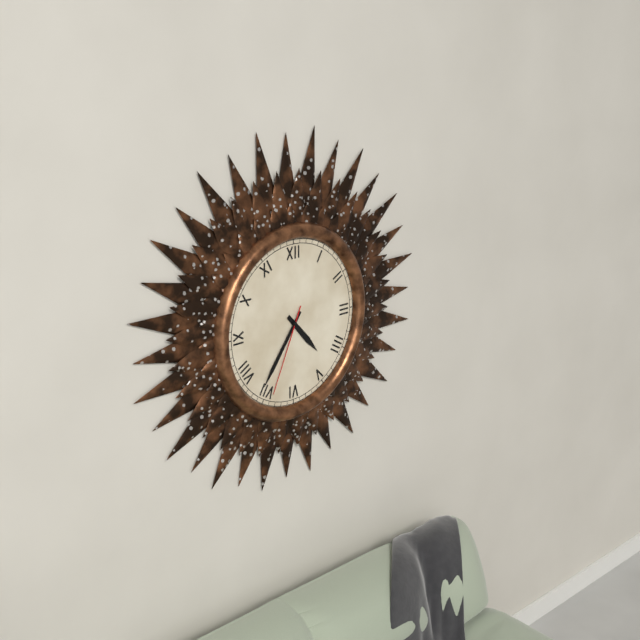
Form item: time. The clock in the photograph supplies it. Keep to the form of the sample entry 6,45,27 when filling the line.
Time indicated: 4,36,34
